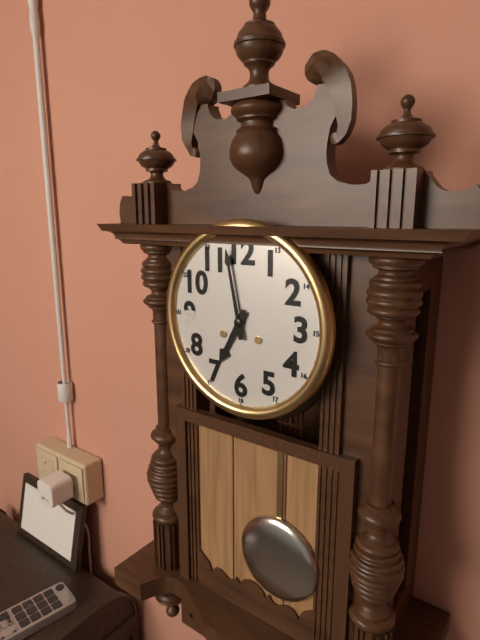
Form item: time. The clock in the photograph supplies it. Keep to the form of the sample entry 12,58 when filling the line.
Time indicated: 6,58
